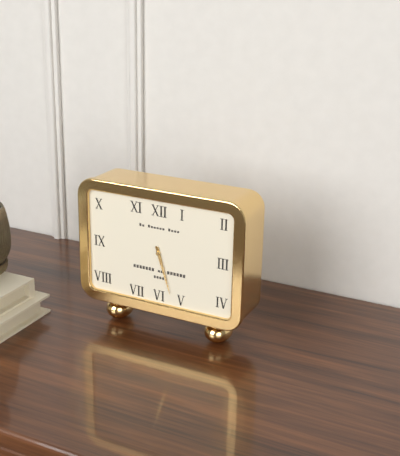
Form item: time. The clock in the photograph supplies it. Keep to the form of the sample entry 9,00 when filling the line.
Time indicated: 5,27
